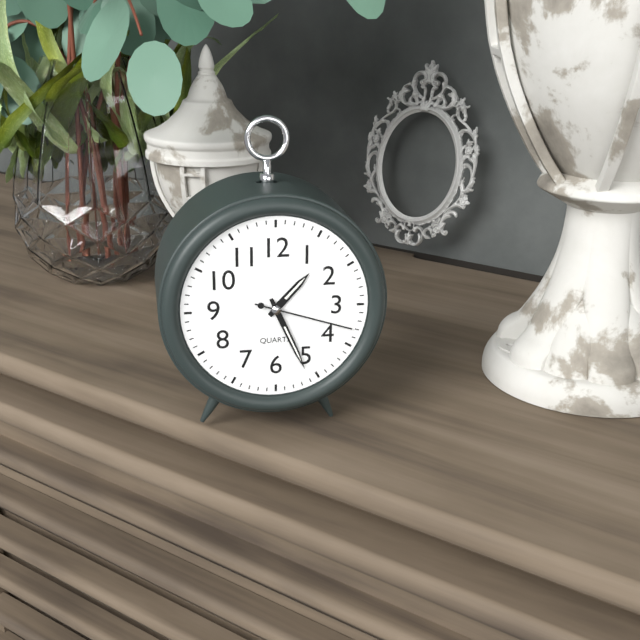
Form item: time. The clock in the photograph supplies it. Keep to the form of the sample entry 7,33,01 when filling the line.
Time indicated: 1,26,18
